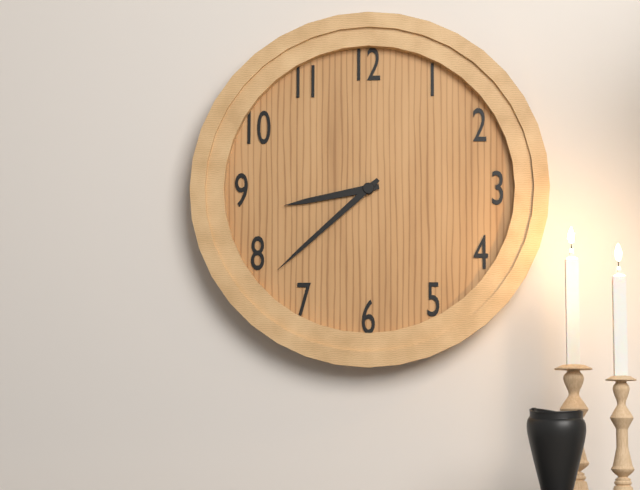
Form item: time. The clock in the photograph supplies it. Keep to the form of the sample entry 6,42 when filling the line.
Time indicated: 8,38
